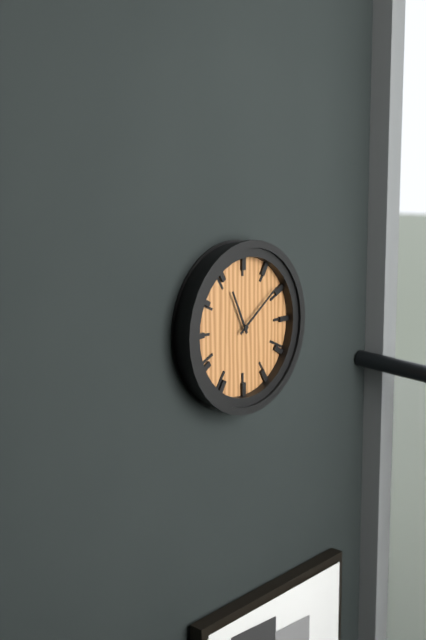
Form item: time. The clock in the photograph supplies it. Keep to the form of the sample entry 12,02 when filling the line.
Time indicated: 11,09
